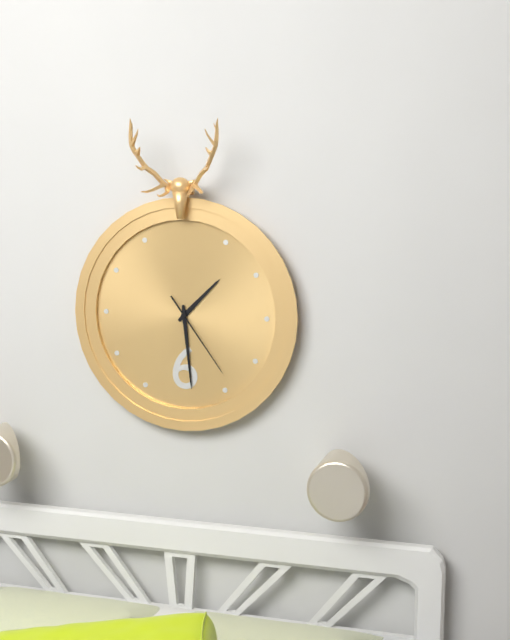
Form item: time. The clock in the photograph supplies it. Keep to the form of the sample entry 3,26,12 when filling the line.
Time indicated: 1,29,24
